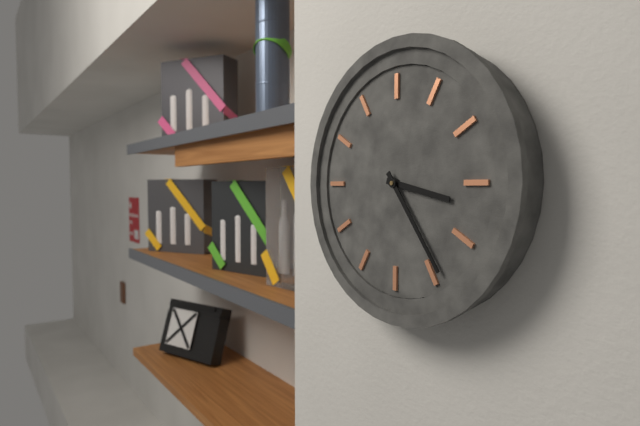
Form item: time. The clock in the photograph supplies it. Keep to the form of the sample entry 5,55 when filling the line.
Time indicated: 3,24
